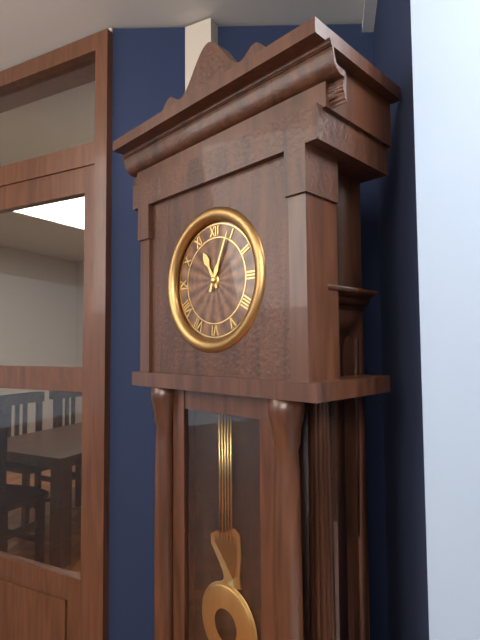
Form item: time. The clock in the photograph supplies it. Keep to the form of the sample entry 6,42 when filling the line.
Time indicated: 11,04
